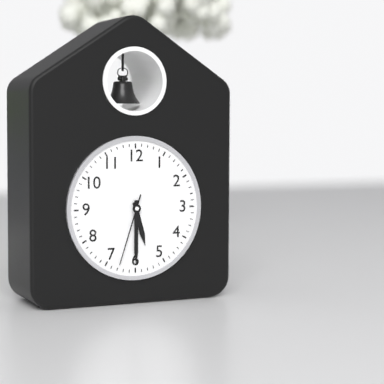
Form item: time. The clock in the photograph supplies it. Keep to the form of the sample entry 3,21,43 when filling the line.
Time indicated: 5,30,33
